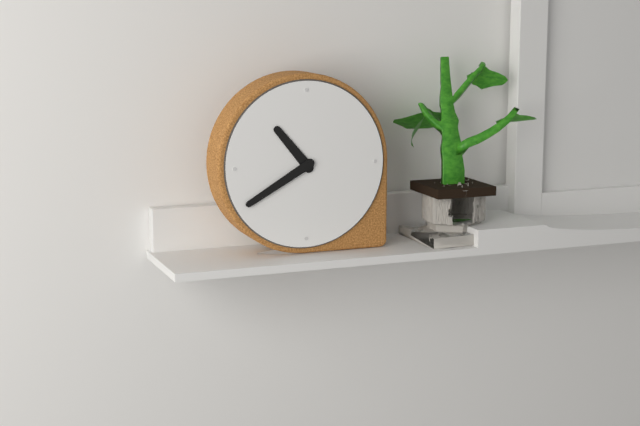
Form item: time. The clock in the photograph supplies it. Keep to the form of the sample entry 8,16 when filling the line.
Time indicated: 10,40
